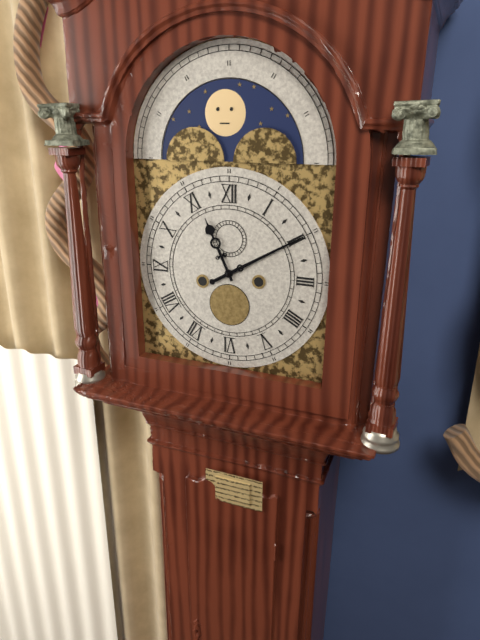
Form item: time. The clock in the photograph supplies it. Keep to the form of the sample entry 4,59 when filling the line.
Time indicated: 11,10
